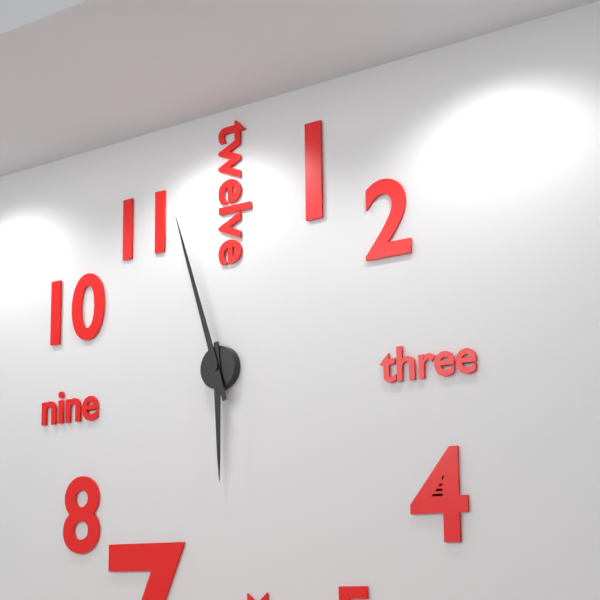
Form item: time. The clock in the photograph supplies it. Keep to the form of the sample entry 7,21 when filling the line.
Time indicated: 5,57
